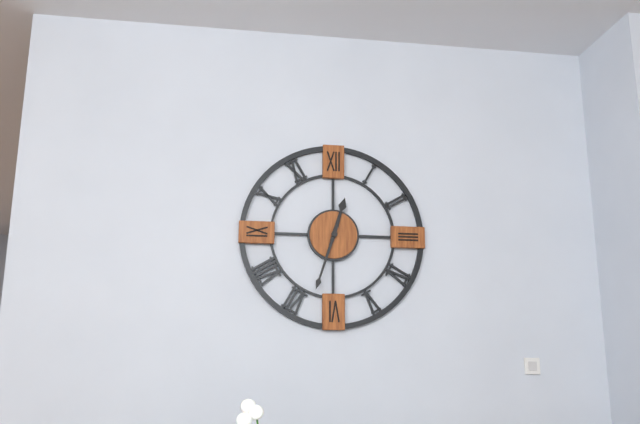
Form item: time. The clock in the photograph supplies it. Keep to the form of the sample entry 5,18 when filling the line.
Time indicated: 12,33
